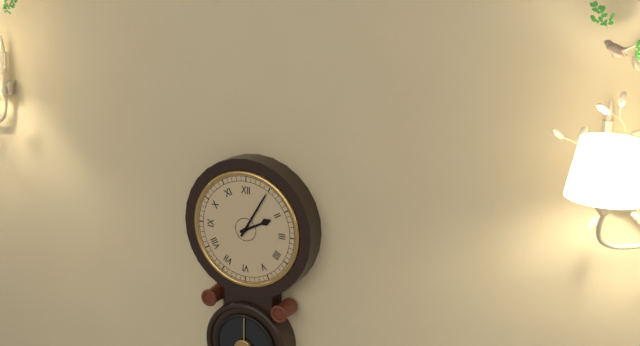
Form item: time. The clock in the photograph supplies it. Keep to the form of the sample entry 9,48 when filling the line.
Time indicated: 2,05
